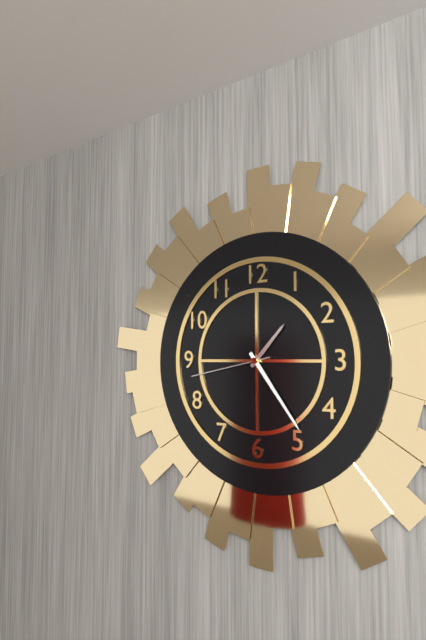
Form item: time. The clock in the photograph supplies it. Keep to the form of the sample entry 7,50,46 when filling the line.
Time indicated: 1,24,43
